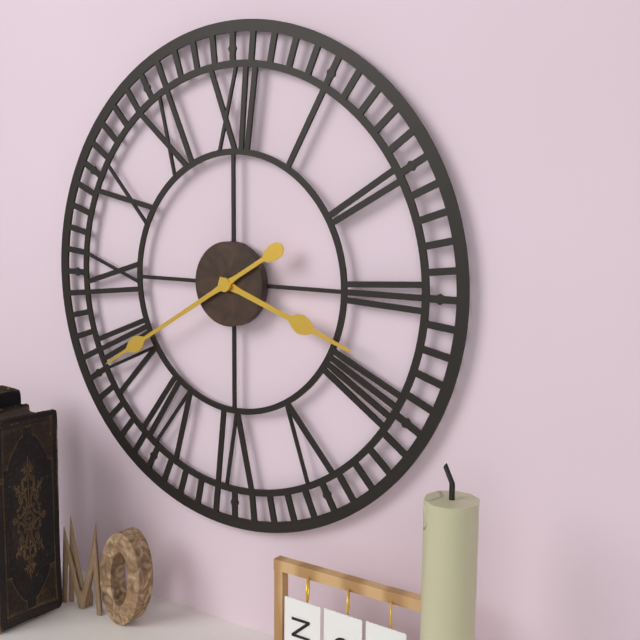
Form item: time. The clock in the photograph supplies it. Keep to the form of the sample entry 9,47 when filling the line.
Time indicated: 3,40
